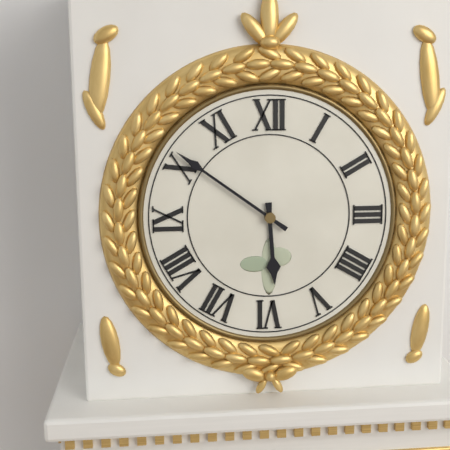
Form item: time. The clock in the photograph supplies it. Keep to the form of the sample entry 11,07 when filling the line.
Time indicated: 5,51
